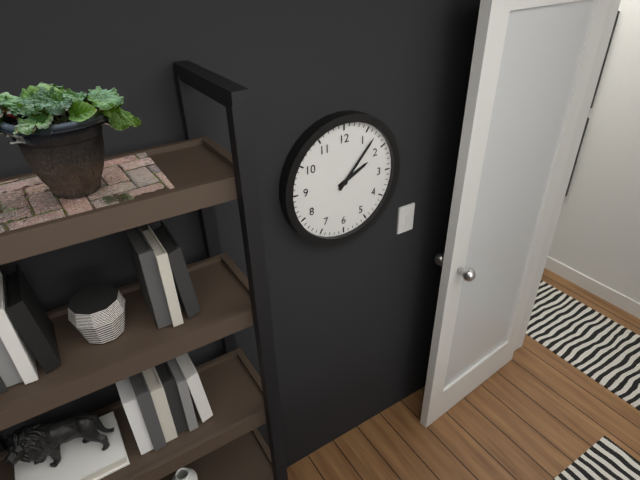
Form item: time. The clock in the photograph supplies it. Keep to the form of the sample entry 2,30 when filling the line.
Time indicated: 2,07
